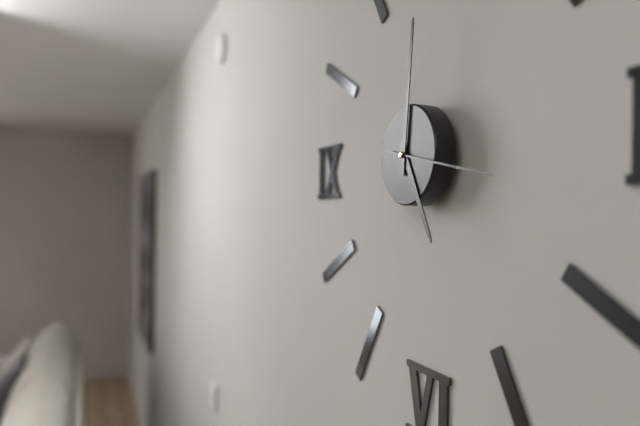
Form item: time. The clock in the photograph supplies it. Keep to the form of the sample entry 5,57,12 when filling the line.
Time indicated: 5,01,17
